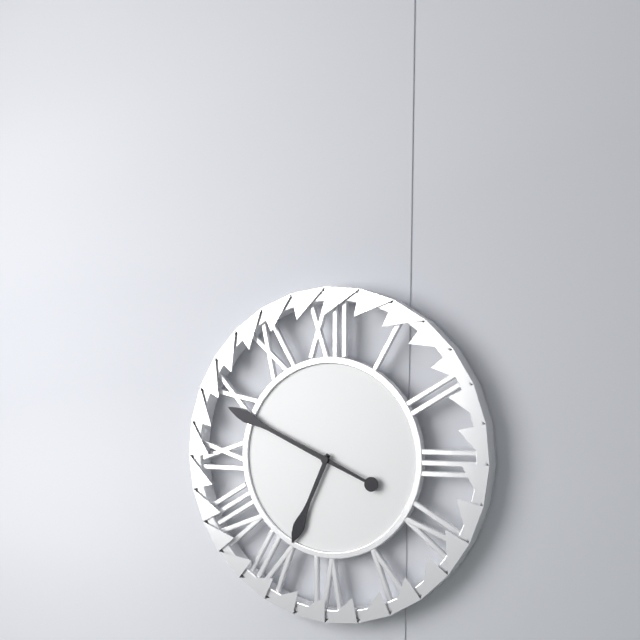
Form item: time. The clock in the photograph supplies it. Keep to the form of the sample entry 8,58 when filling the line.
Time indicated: 6,49
